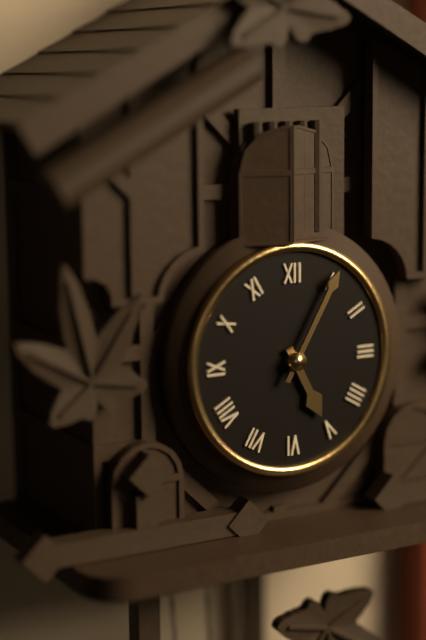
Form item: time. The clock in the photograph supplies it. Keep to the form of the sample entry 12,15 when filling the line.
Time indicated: 5,05
